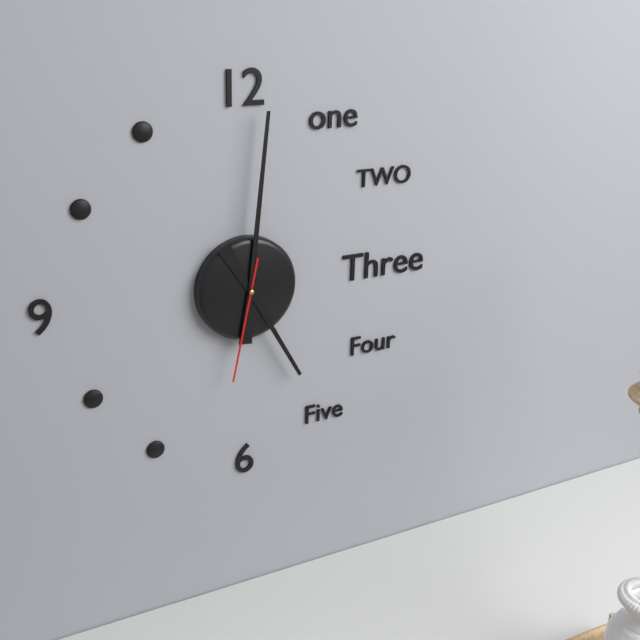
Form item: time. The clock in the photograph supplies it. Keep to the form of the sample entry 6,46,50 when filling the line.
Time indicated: 5,01,32
